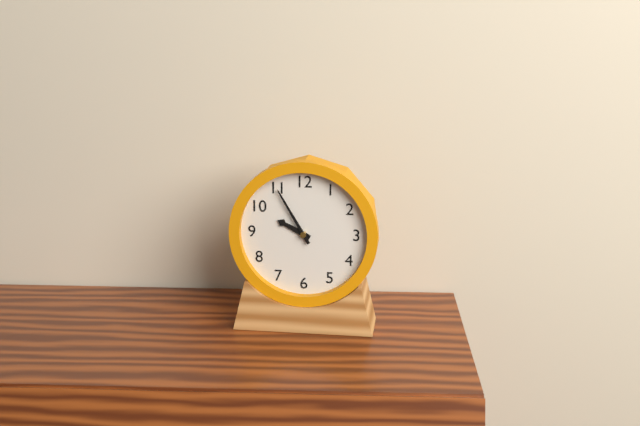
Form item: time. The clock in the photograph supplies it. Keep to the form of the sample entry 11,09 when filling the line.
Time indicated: 9,55
